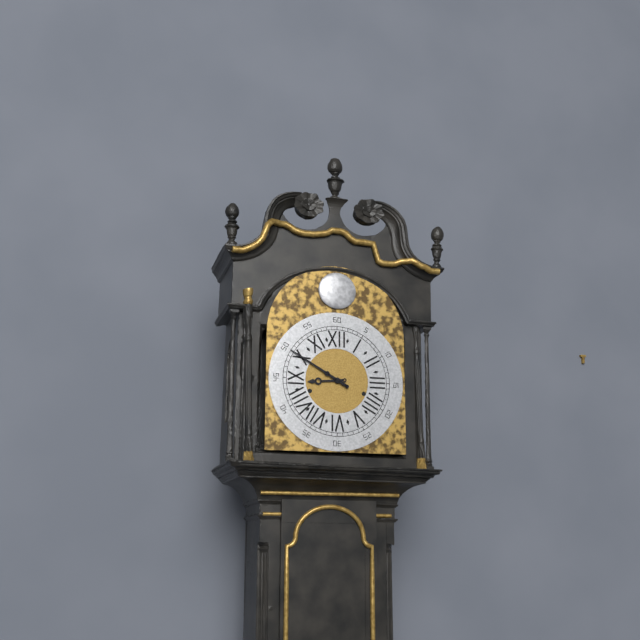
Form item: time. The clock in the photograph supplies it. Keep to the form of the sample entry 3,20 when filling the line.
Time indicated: 8,50
